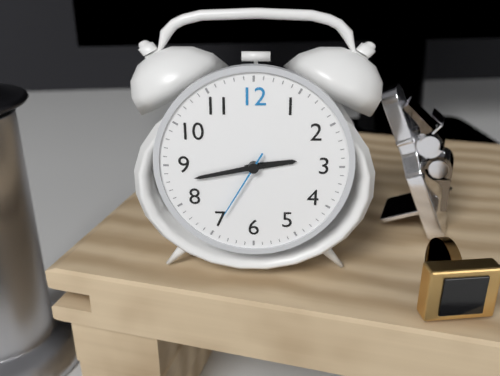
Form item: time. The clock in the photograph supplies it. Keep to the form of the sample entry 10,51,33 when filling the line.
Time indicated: 2,43,35
